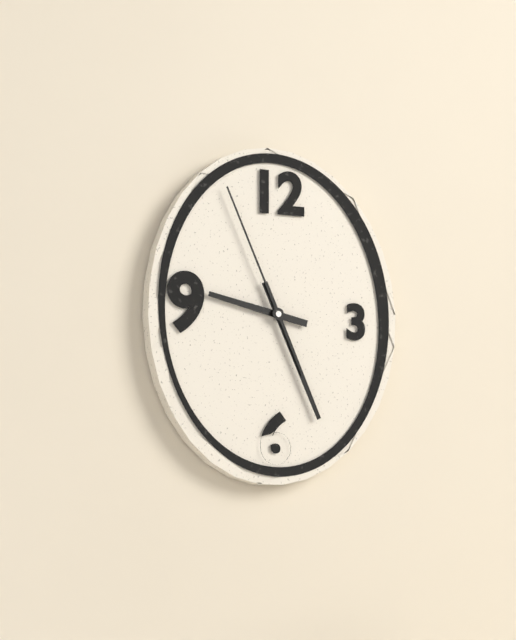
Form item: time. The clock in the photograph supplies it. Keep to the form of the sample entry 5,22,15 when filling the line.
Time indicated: 9,26,56
